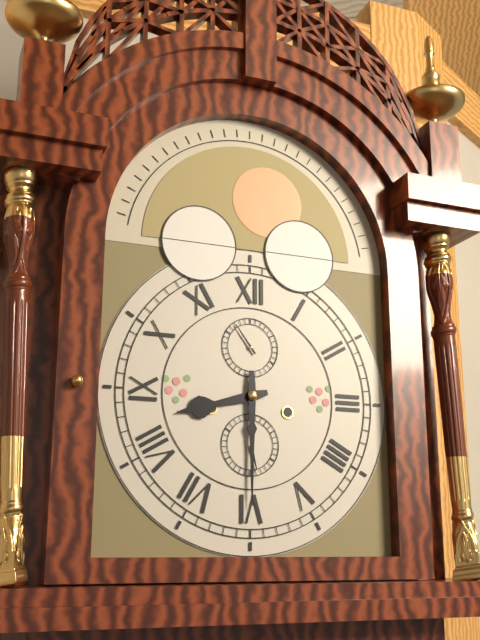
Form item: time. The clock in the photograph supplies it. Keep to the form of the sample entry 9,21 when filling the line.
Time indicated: 8,30
